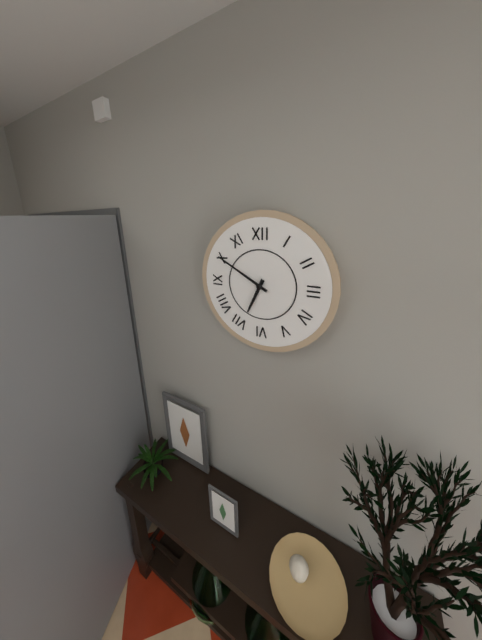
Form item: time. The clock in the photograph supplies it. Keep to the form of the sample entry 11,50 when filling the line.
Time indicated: 6,50
